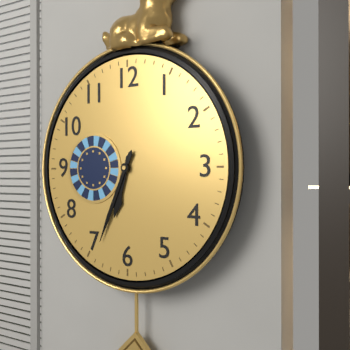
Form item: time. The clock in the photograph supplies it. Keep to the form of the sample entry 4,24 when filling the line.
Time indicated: 6,34
